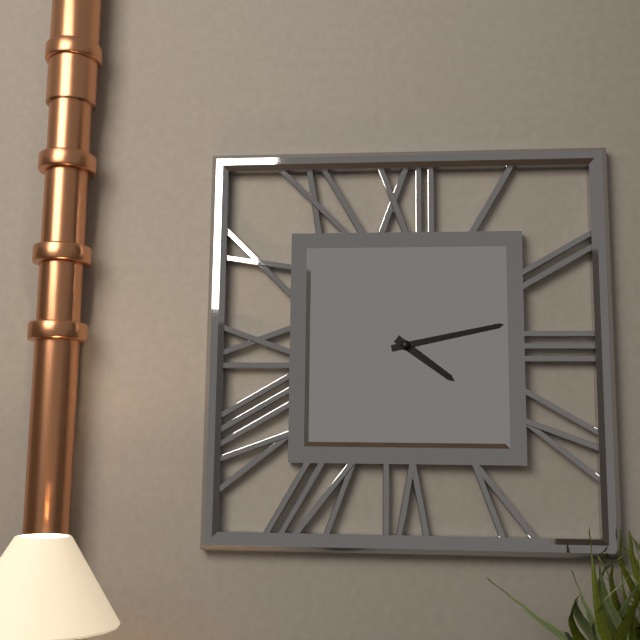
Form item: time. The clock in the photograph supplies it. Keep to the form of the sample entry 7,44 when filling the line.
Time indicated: 4,13
